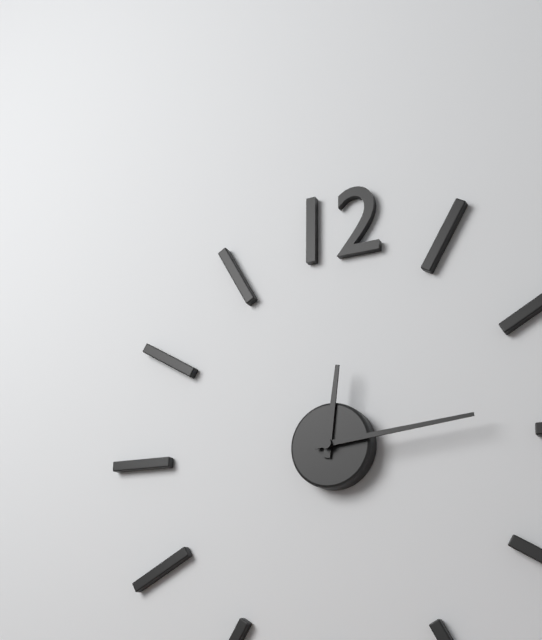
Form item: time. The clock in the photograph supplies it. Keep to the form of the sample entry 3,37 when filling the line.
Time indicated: 12,14
